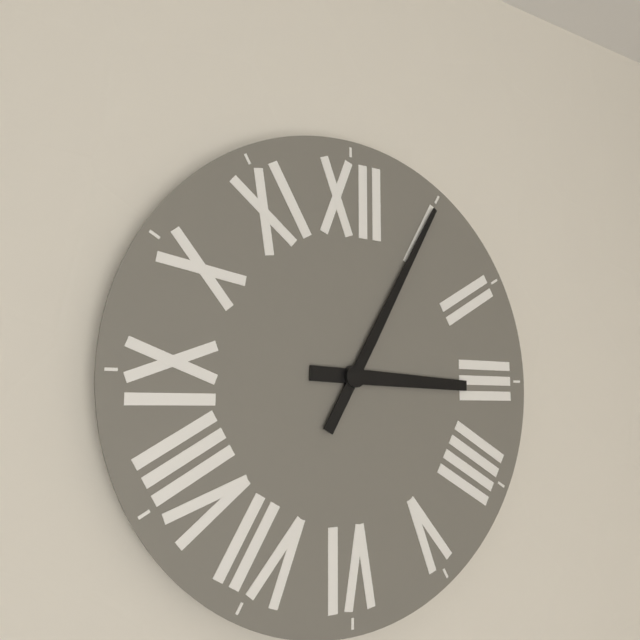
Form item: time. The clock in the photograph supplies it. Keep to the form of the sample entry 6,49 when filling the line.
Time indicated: 3,05
